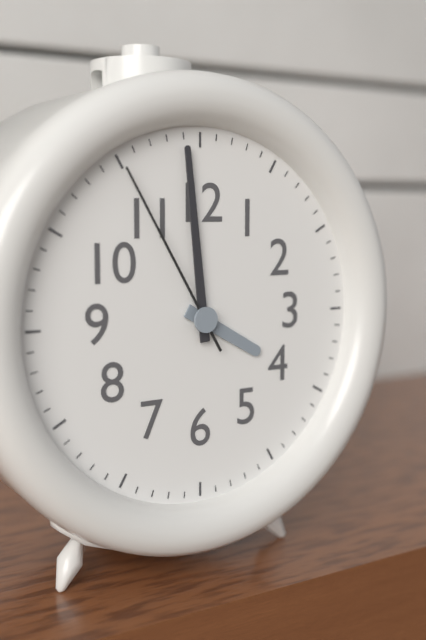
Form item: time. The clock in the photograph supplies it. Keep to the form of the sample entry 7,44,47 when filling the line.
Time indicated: 3,59,55
